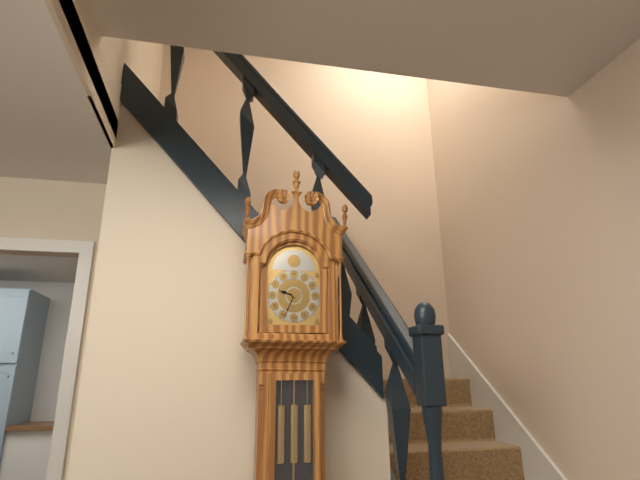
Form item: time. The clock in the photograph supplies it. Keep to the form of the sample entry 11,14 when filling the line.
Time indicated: 9,34
